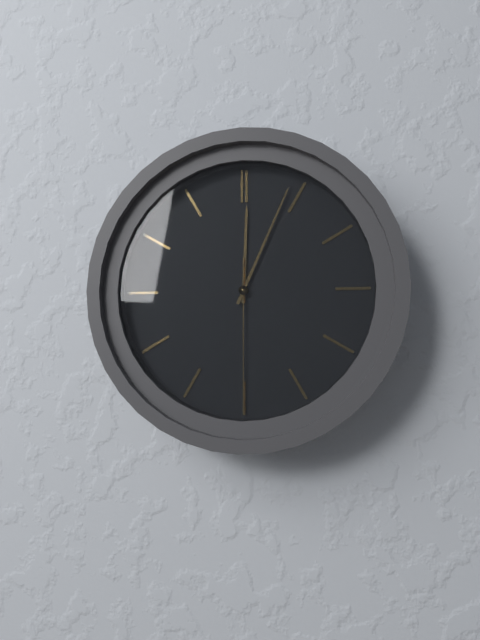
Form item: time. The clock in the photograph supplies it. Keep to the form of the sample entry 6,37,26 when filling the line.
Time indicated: 12,04,30
